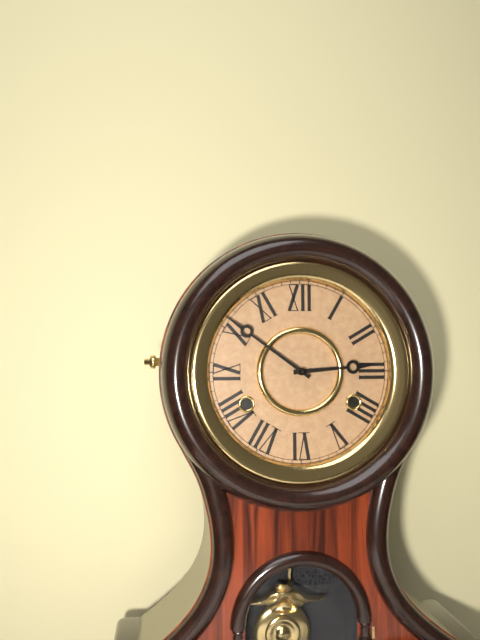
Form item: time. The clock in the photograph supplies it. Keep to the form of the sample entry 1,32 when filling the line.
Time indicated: 2,51
